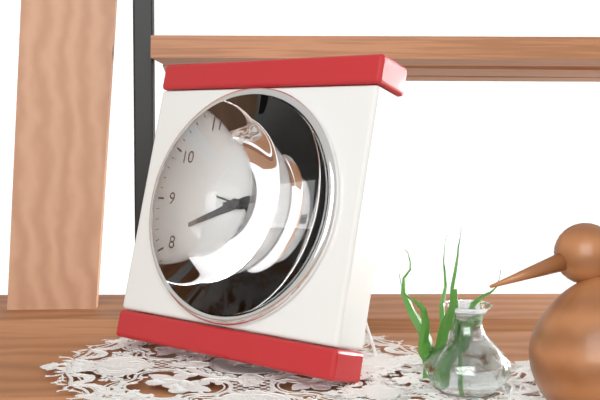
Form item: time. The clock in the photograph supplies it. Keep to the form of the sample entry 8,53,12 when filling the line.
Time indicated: 8,13,17
